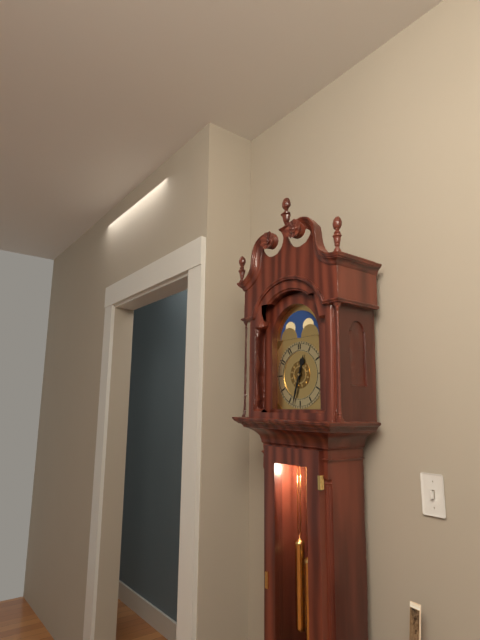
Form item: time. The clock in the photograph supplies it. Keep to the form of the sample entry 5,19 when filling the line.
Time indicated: 12,33
